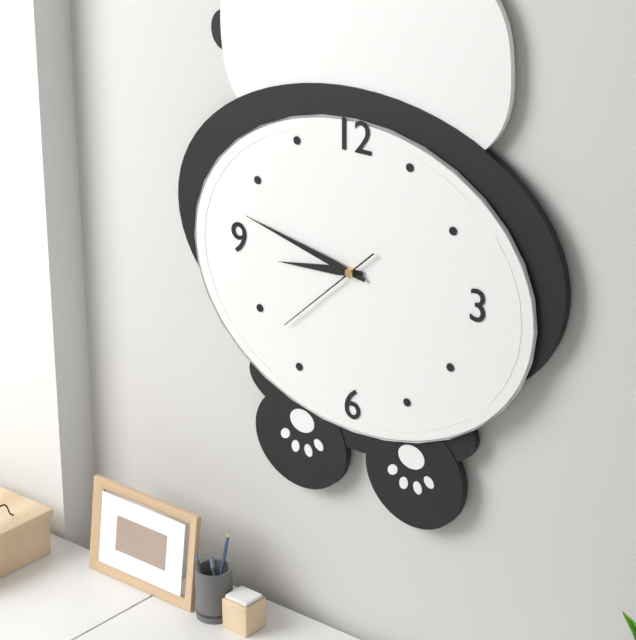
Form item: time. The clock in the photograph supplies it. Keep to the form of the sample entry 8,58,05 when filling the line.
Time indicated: 8,47,38
